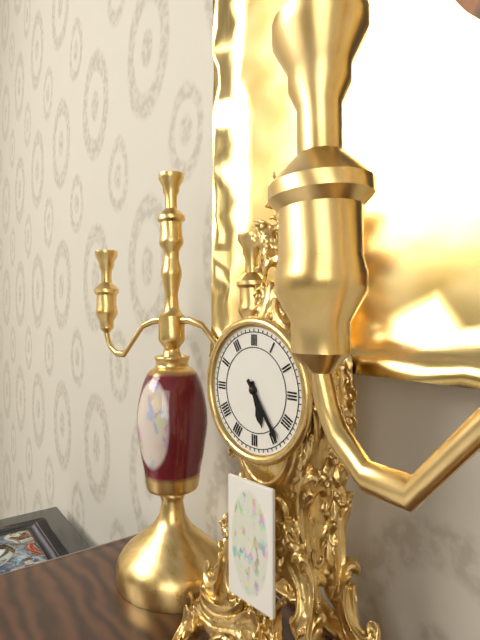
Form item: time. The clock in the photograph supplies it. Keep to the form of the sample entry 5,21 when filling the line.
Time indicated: 5,24
